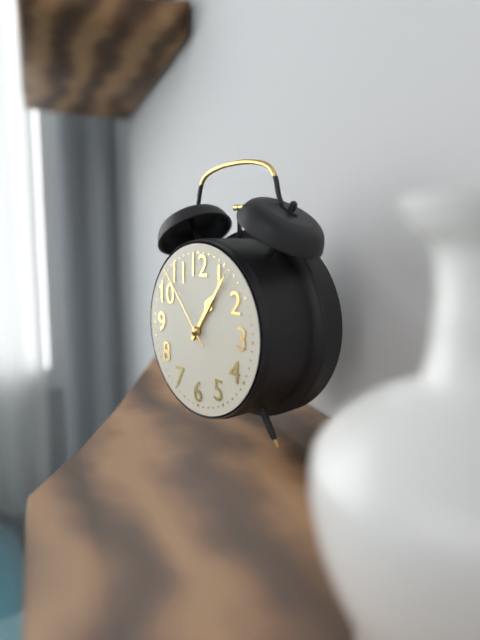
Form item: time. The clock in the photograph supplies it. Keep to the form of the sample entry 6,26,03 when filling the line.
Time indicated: 1,06,53
